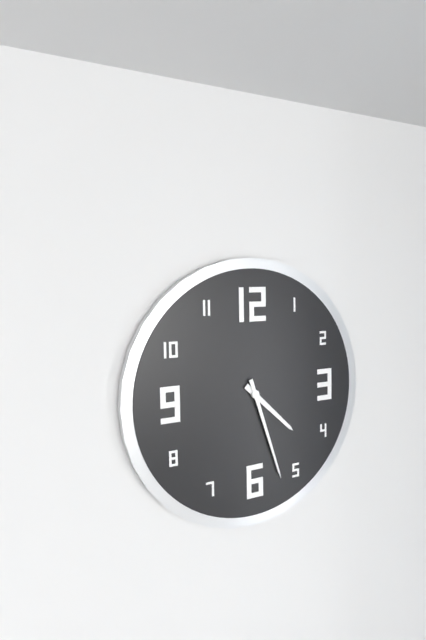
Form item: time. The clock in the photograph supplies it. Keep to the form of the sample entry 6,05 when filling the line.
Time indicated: 4,27
